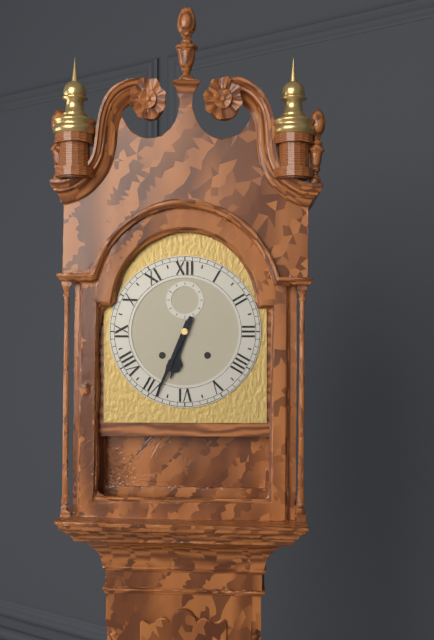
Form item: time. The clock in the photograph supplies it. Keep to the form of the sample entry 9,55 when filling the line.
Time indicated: 6,34
